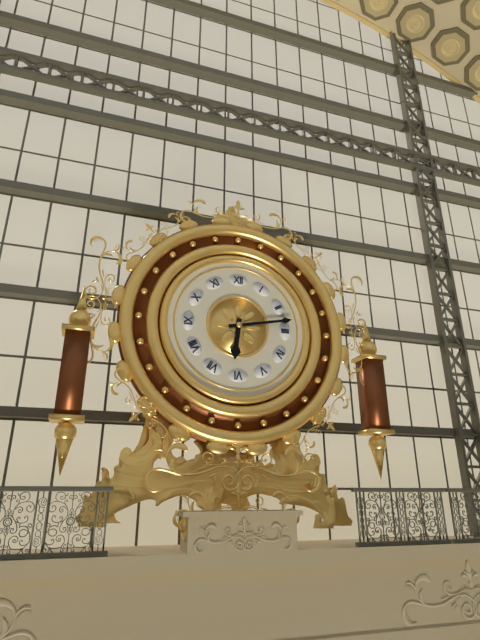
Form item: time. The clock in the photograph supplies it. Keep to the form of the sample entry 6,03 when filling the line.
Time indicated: 6,13
